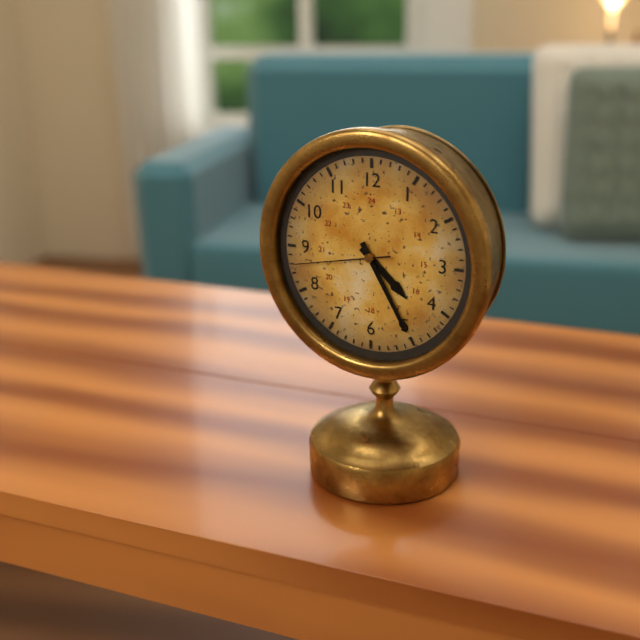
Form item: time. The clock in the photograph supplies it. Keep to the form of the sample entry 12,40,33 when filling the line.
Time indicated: 4,25,43
